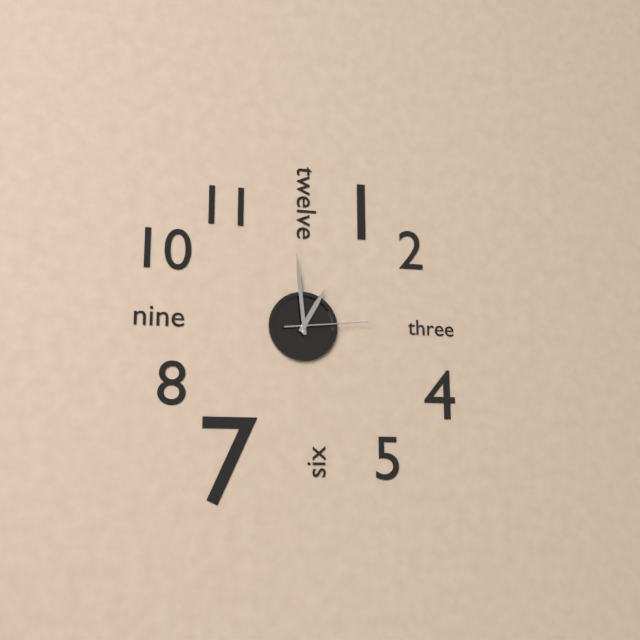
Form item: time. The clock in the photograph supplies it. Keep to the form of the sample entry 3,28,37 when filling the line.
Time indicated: 12,59,14
